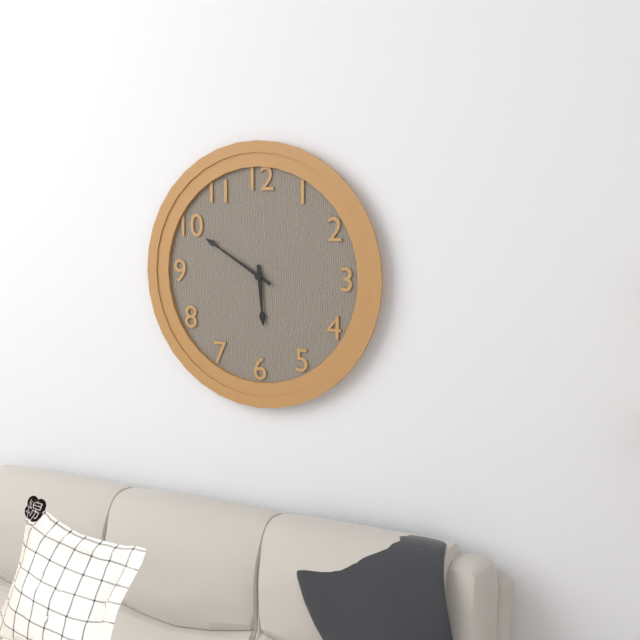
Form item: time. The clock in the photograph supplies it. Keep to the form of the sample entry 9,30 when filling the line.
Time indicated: 5,50
